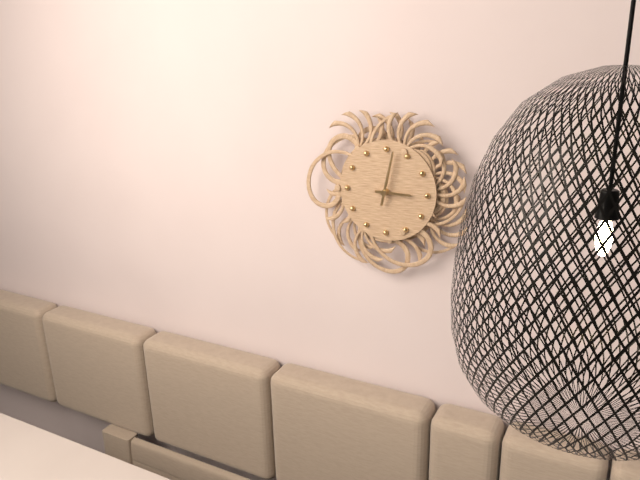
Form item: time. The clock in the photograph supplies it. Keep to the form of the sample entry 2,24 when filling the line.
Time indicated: 3,02
